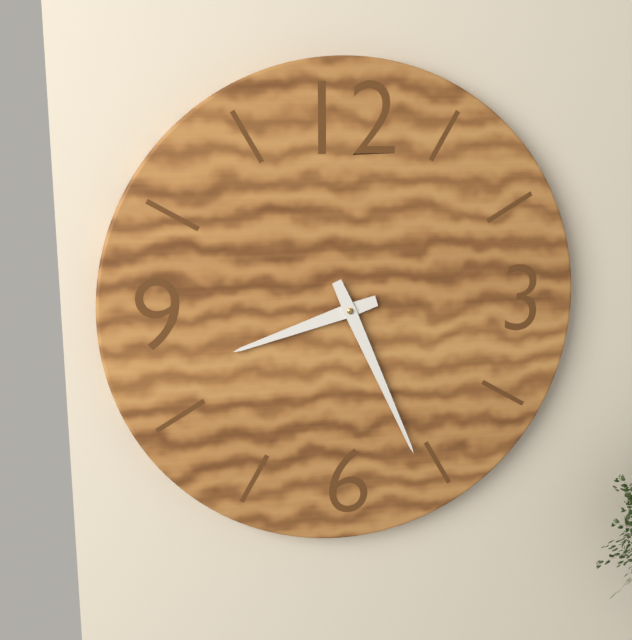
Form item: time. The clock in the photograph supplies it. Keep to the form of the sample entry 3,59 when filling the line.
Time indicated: 8,26
